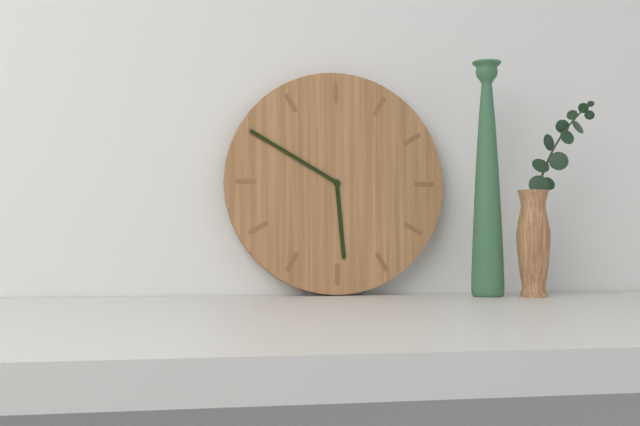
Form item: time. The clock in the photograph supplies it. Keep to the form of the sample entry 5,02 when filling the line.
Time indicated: 5,50
